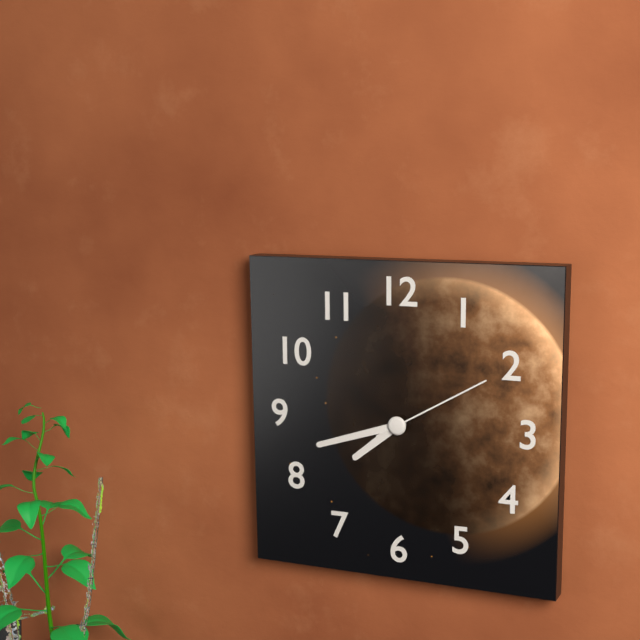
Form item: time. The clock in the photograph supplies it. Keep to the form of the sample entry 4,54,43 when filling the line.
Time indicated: 7,42,10
